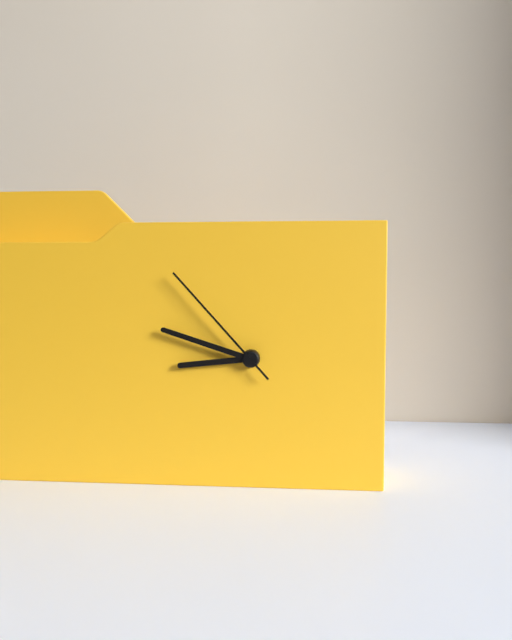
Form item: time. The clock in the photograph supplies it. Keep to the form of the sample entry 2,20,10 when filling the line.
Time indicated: 8,48,53
